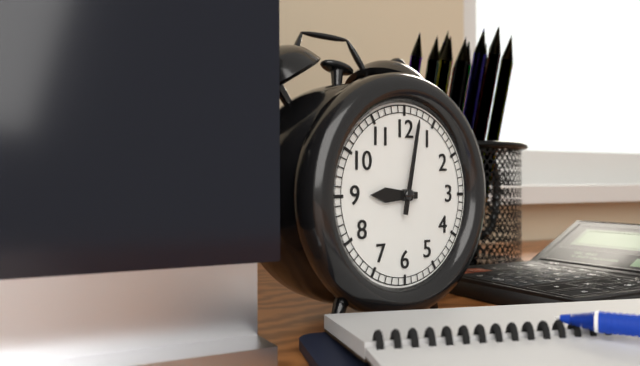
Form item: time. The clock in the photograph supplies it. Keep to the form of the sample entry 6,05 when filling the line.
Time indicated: 9,02
